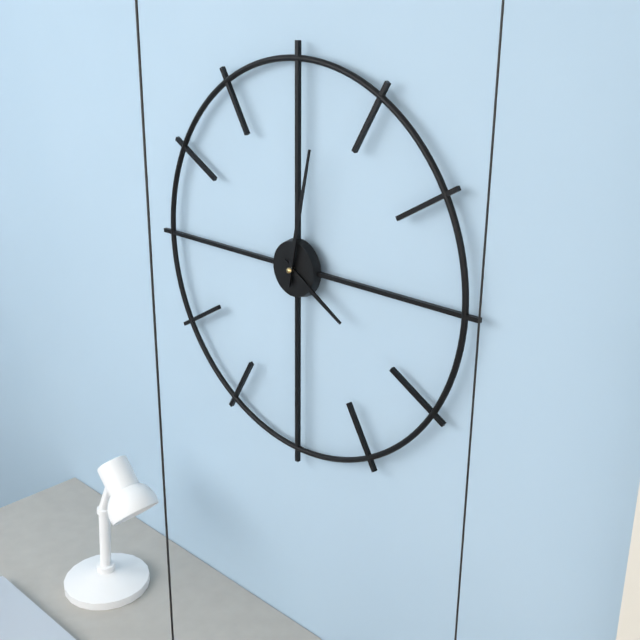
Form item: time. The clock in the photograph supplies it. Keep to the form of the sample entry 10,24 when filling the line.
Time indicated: 4,02
